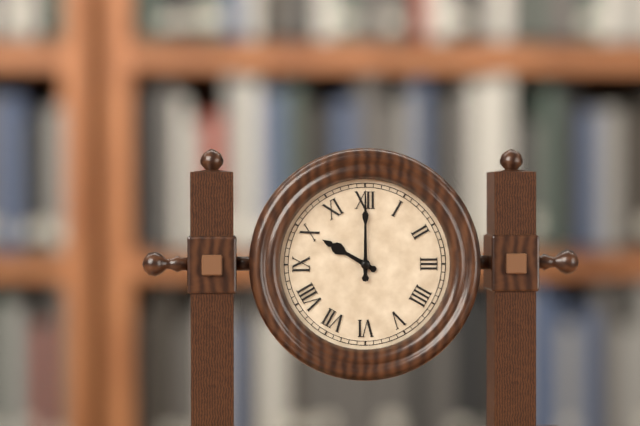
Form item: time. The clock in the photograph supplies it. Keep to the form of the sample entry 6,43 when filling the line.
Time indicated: 10,00
